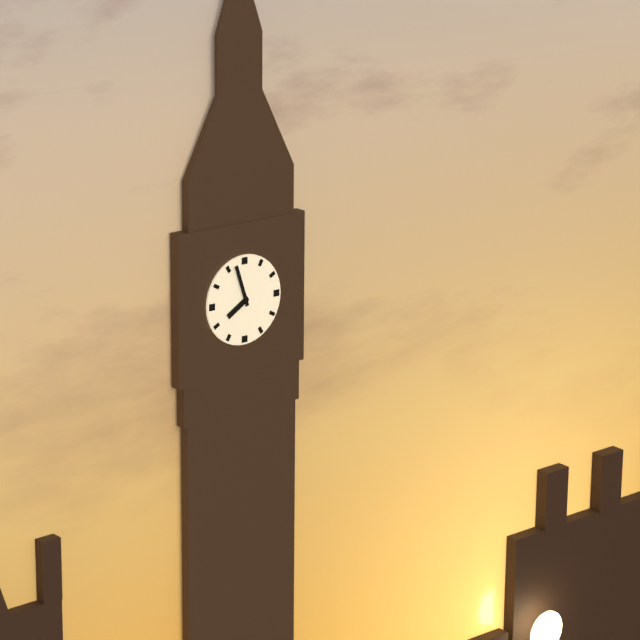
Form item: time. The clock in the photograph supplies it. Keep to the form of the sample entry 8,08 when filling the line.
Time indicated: 7,57
